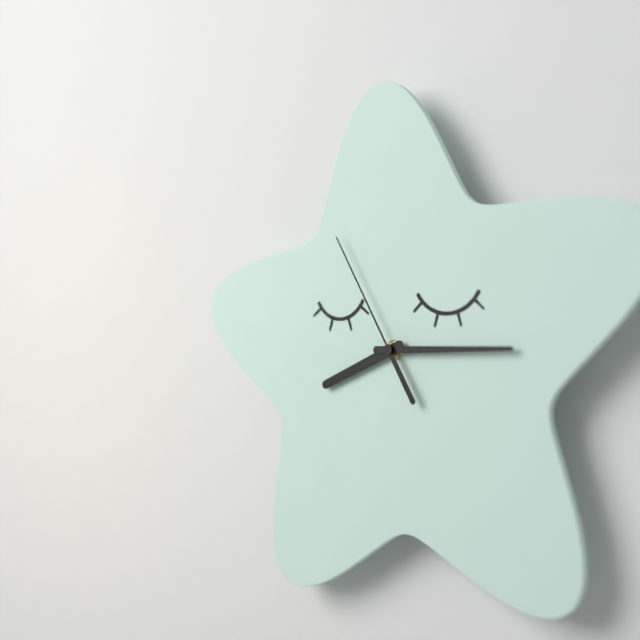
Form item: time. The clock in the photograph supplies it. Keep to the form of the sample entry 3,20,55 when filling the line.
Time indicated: 8,15,55
